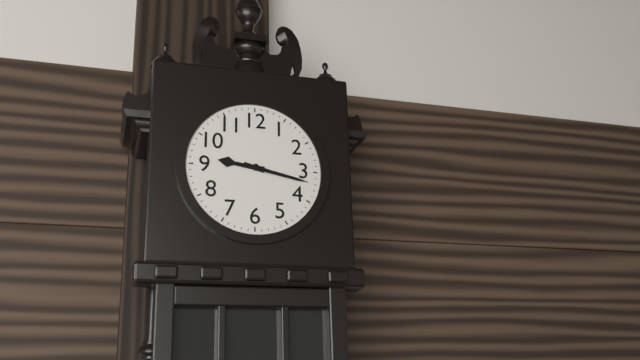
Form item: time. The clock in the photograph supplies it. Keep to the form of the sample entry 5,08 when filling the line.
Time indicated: 9,17
